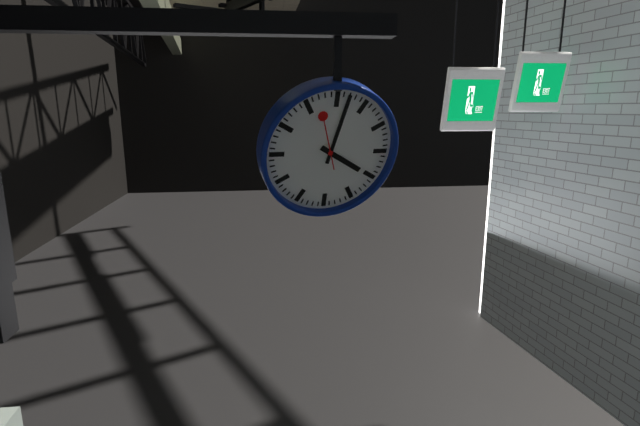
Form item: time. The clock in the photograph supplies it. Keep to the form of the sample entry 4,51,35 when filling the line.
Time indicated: 4,02,57
